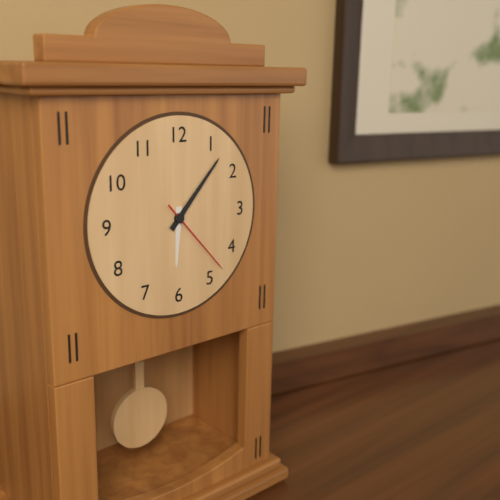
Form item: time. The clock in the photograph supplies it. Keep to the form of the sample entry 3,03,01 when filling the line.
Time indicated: 6,07,23
